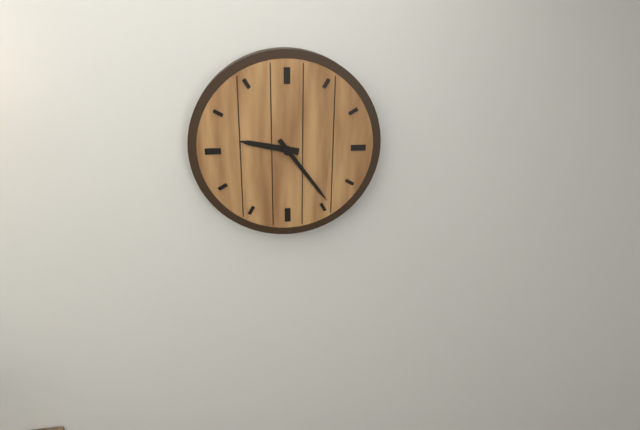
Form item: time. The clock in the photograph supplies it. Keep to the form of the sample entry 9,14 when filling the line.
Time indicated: 9,24
